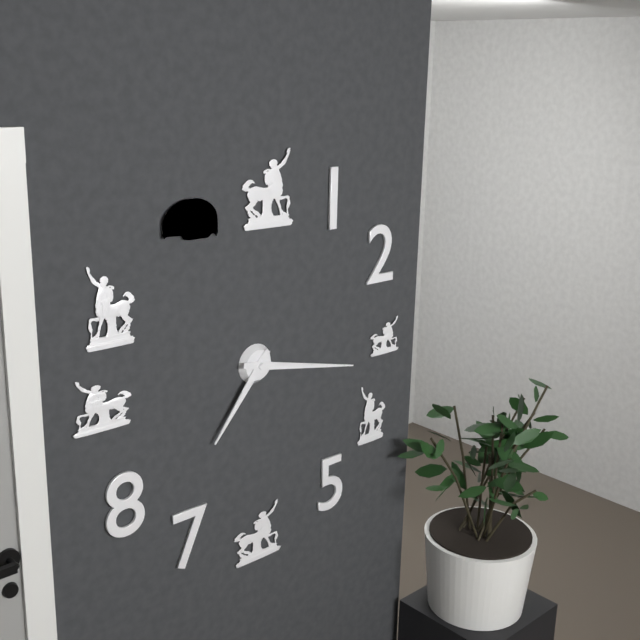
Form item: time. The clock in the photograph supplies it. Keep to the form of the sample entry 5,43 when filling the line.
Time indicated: 7,17
